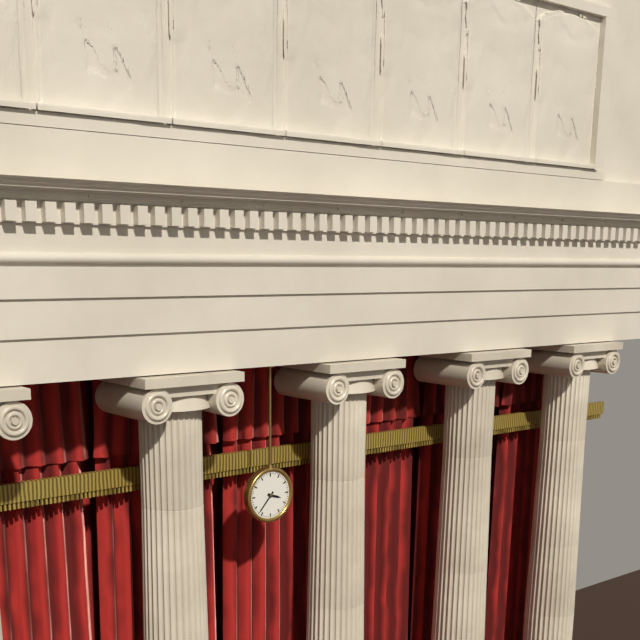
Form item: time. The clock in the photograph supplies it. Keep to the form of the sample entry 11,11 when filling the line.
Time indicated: 3,37
